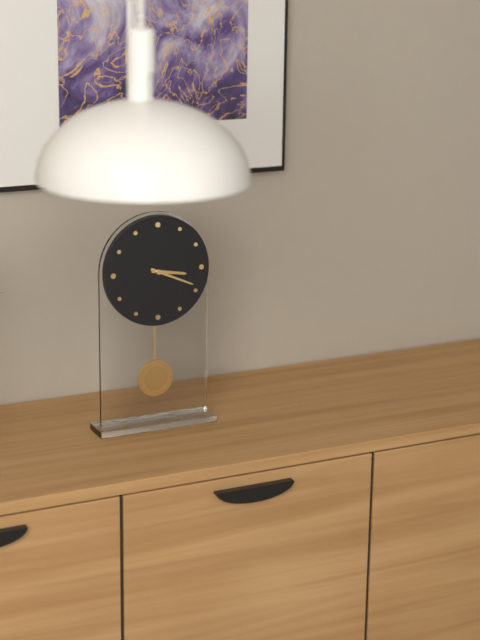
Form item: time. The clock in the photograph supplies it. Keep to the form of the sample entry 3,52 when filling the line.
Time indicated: 3,19
